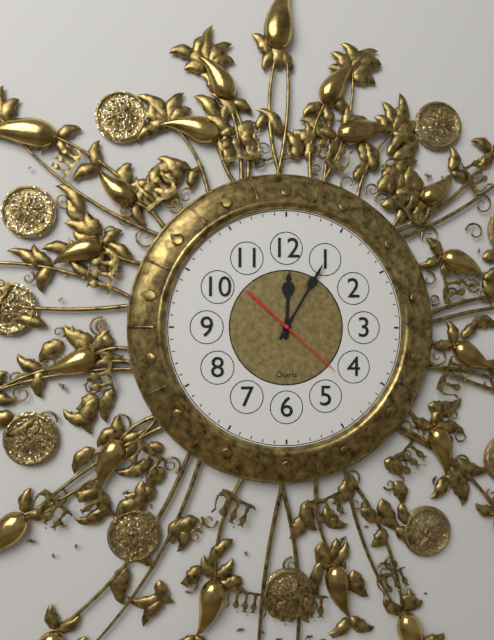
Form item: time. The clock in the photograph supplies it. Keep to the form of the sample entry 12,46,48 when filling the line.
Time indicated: 12,05,22
